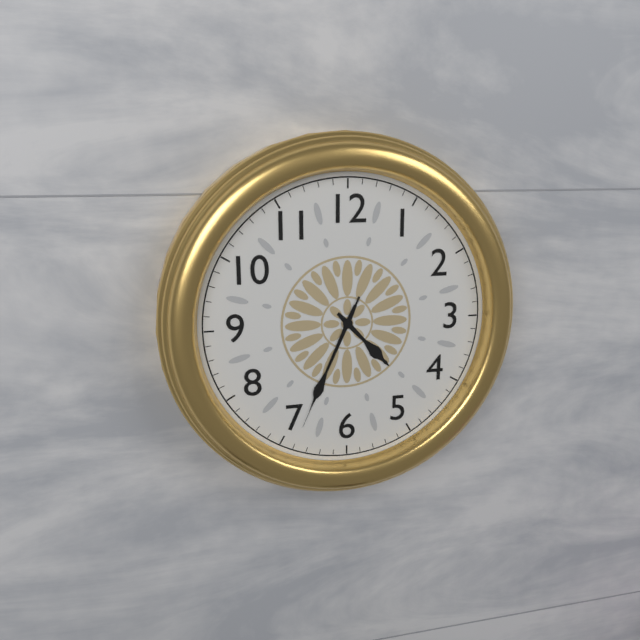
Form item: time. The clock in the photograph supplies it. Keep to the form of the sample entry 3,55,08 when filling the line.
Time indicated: 4,34,34
